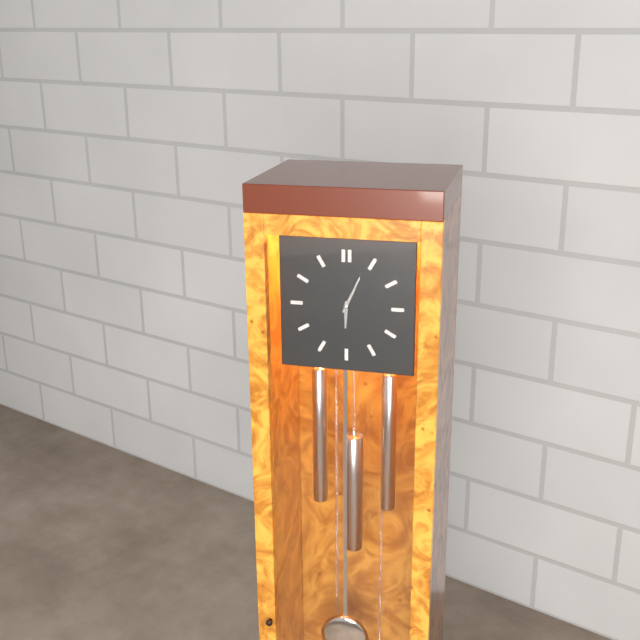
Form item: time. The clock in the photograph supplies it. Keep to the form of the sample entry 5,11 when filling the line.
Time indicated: 6,04
